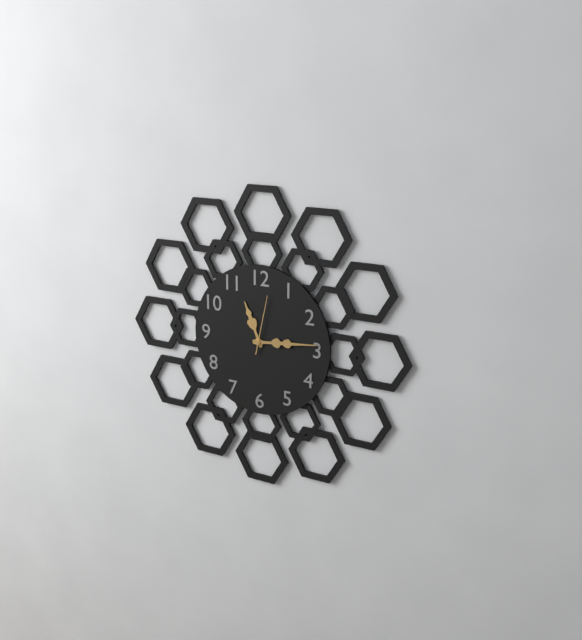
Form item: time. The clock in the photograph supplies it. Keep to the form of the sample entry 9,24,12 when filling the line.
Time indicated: 11,14,02
